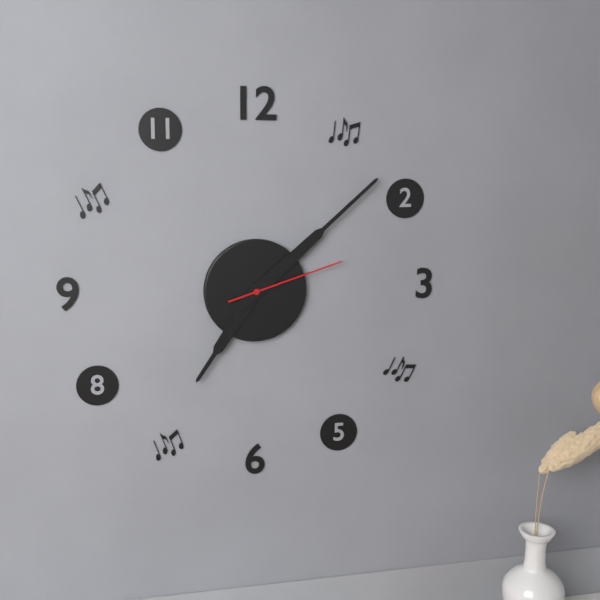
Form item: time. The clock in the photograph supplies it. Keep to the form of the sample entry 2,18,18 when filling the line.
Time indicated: 7,08,12
